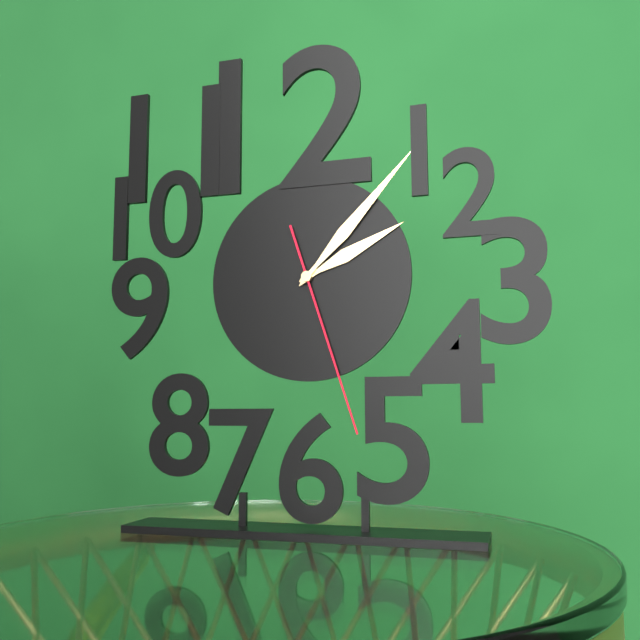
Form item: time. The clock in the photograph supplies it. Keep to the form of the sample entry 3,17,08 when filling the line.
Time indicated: 2,07,27
